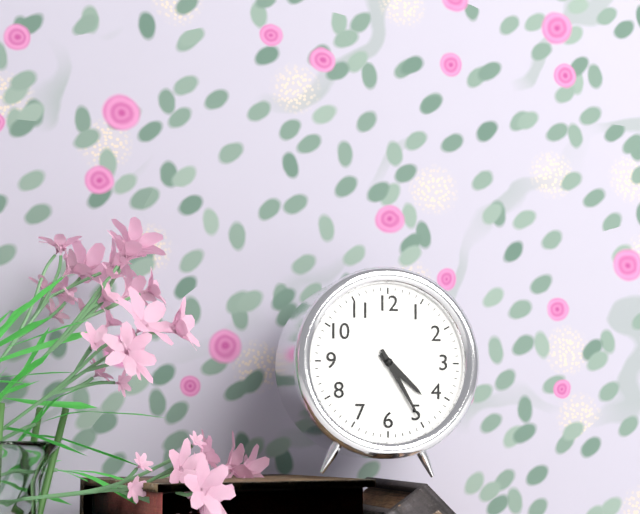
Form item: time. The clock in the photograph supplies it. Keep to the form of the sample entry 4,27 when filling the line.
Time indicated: 4,25
